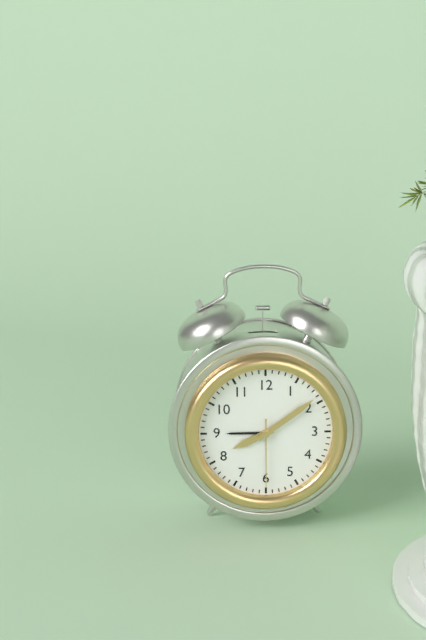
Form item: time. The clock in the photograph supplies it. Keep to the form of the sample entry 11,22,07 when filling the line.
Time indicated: 8,09,30
